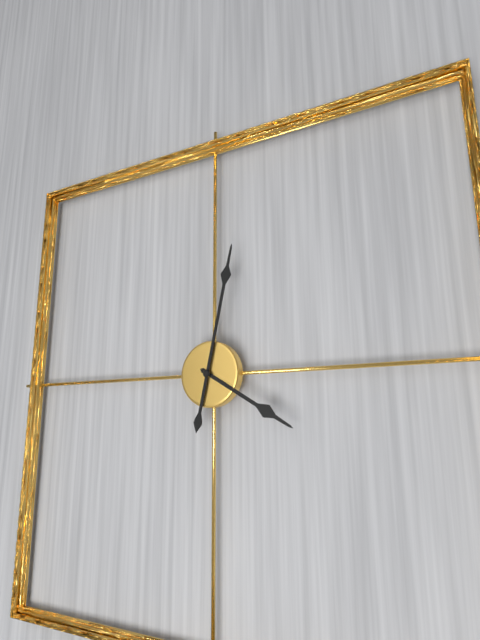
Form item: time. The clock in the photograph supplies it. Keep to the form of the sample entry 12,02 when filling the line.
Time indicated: 4,02
